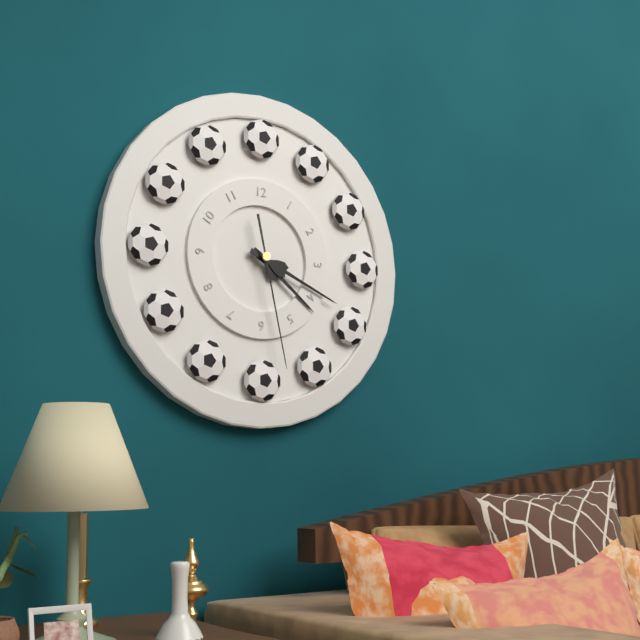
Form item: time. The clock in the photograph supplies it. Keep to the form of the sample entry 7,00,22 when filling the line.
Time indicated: 4,19,28
